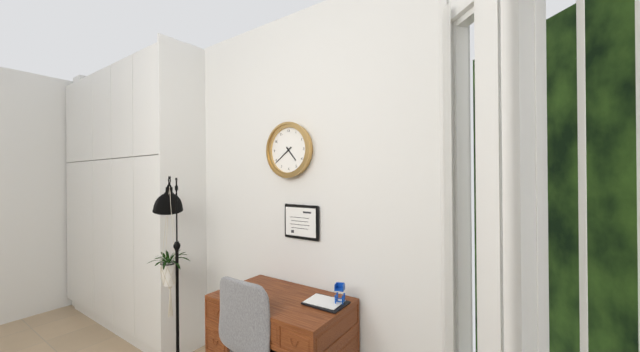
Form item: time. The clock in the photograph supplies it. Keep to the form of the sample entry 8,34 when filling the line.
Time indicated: 4,39
